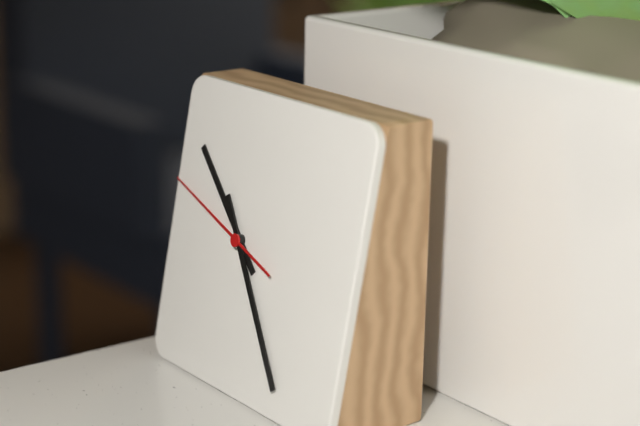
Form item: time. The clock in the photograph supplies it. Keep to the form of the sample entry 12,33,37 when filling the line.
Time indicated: 10,24,48
